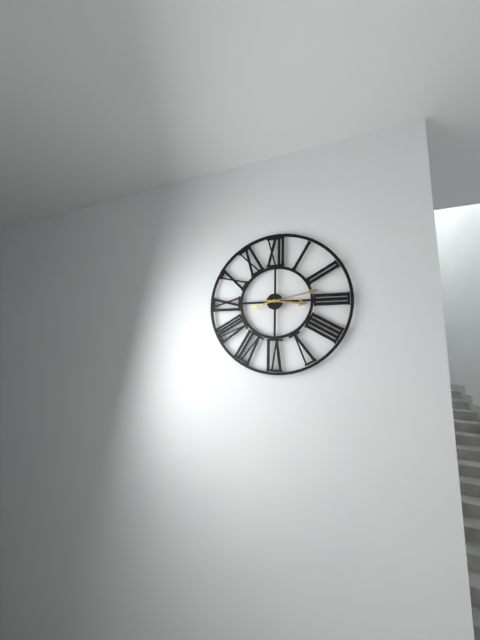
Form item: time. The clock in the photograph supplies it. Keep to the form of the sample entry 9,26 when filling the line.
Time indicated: 3,13
